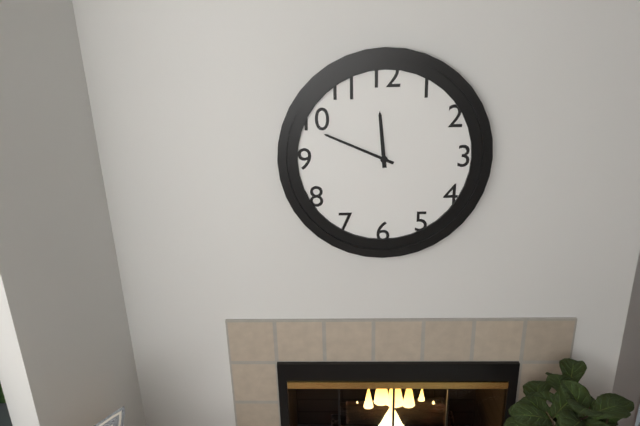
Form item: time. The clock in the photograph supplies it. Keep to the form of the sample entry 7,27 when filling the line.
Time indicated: 11,49
